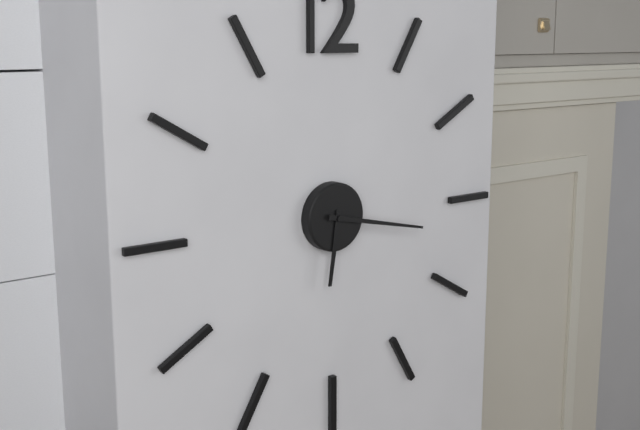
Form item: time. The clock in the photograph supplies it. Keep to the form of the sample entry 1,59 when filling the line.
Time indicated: 6,17
